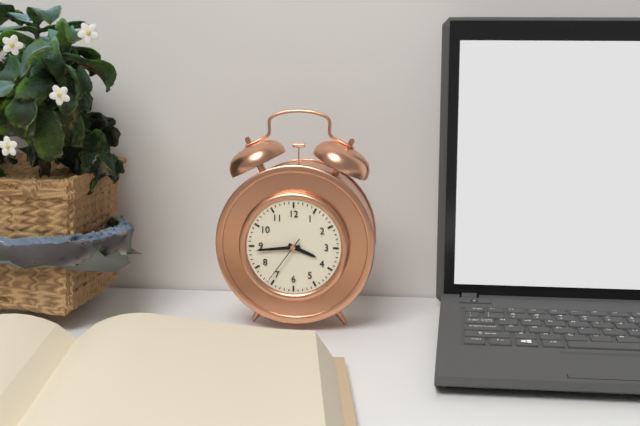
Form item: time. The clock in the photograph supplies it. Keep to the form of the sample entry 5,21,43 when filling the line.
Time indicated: 3,44,36
